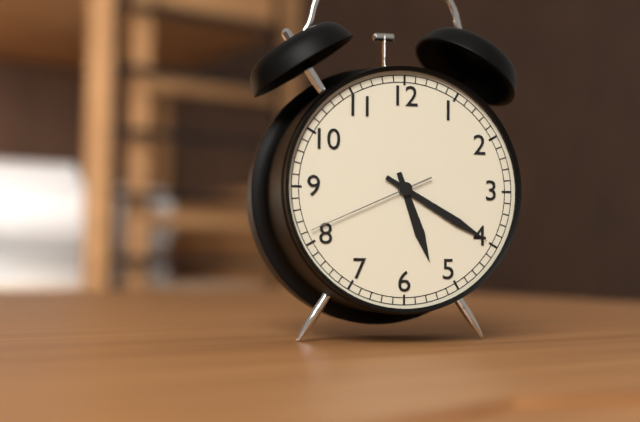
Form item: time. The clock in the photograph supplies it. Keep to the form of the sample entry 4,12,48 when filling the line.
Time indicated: 5,20,41
